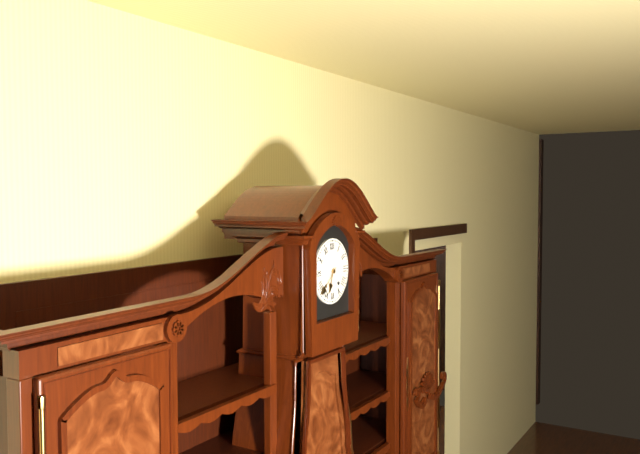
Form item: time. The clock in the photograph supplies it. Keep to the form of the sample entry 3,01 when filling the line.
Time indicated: 6,38
